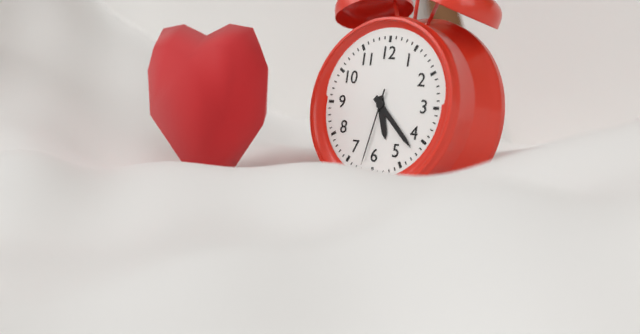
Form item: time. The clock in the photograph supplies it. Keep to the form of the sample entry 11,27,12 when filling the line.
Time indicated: 5,22,32
